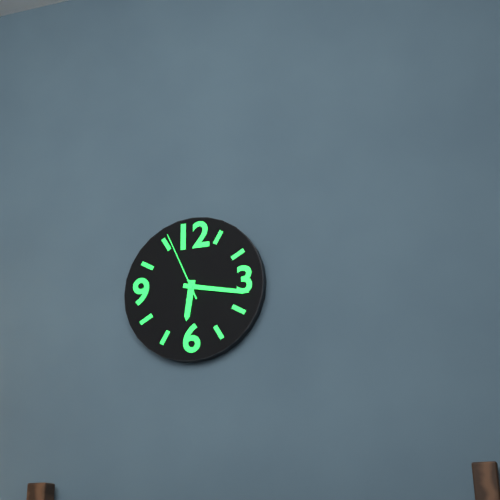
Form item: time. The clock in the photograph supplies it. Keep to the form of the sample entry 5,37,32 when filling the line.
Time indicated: 6,17,56
